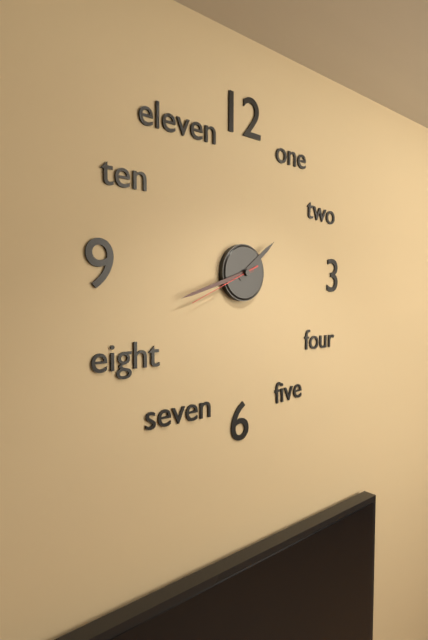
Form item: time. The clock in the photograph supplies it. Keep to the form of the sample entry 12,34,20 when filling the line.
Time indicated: 1,42,41
